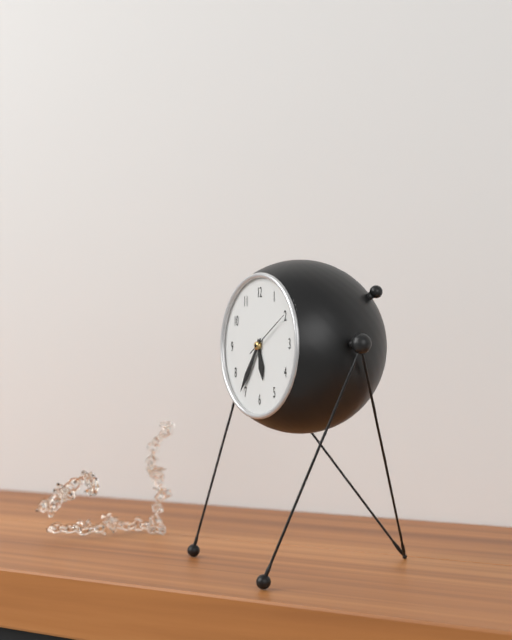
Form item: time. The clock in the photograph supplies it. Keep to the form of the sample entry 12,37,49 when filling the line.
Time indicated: 5,36,10
